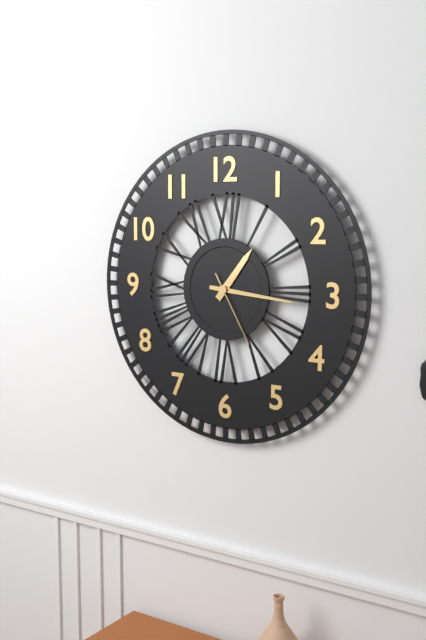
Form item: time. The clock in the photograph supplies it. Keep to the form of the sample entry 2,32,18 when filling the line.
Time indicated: 1,16,25
